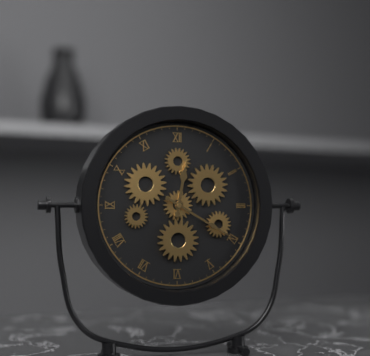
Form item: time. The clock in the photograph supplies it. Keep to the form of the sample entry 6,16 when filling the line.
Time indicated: 12,20
